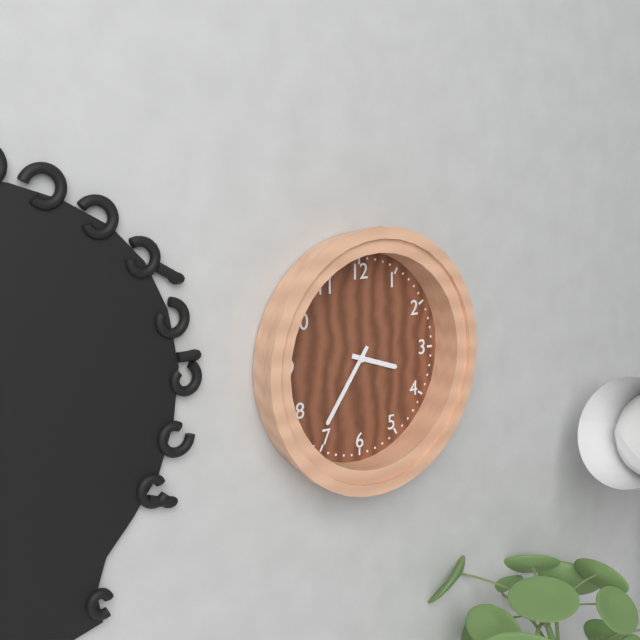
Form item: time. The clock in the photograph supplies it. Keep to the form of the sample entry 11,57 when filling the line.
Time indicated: 3,36
